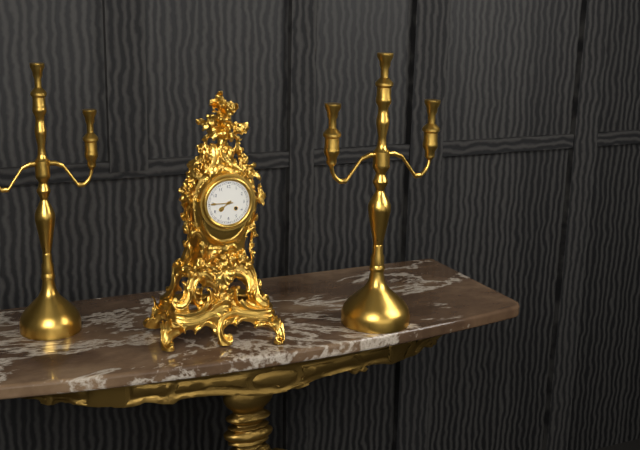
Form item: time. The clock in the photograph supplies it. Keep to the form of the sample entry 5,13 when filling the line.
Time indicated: 7,45
